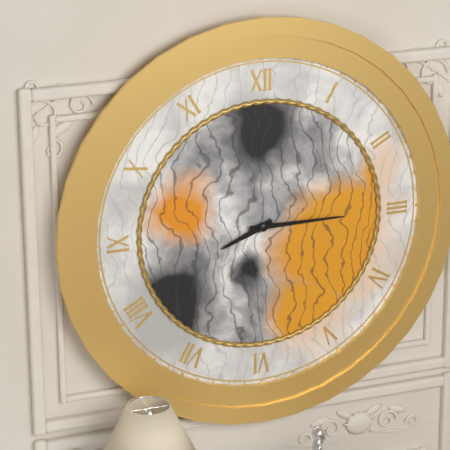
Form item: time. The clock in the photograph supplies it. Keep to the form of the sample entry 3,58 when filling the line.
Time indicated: 8,15
